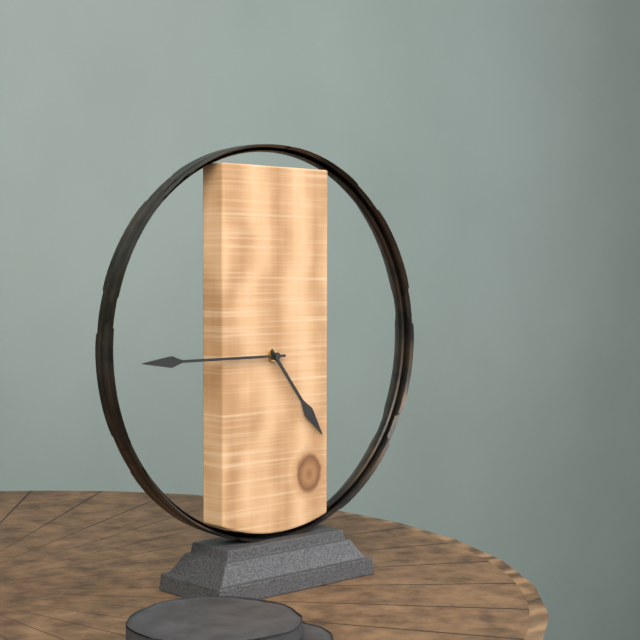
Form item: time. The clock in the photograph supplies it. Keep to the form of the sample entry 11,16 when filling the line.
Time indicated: 4,45
